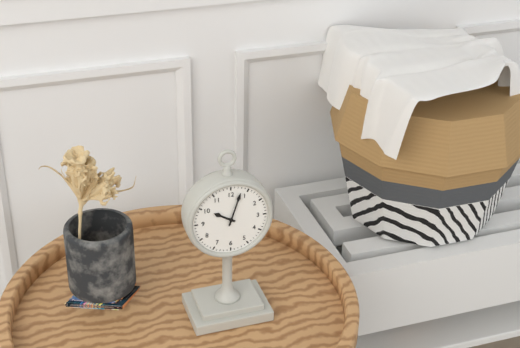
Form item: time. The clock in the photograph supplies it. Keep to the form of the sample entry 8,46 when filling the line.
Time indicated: 10,03
